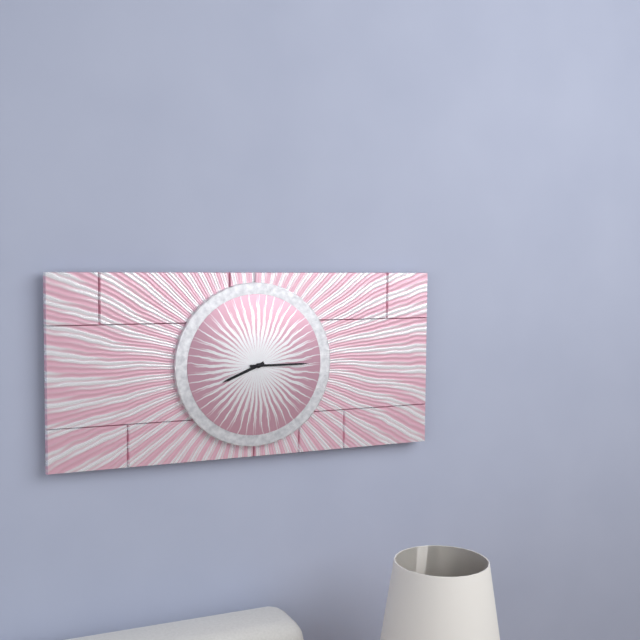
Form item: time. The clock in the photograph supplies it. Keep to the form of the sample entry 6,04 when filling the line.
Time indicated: 8,15
